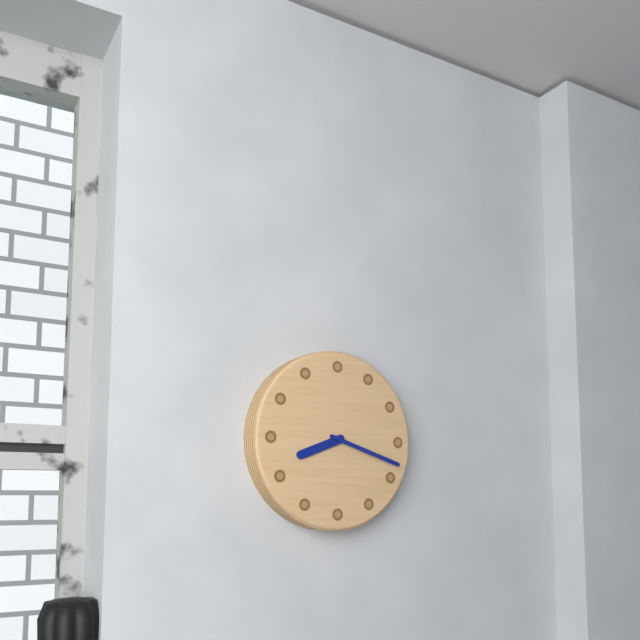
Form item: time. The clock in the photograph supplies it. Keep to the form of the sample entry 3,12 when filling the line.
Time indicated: 8,18
